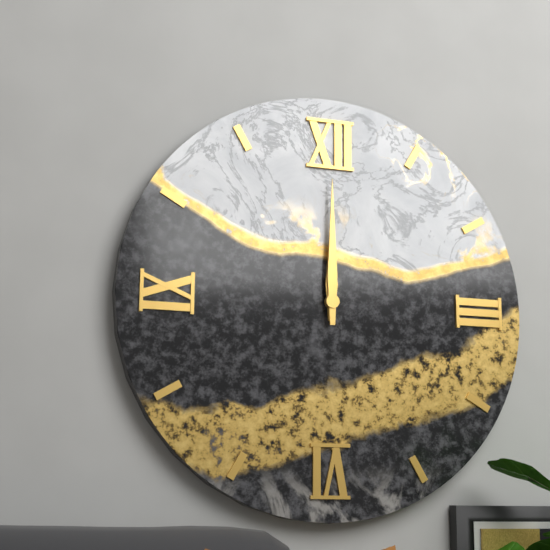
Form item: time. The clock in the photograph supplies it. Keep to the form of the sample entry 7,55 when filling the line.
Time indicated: 12,00
